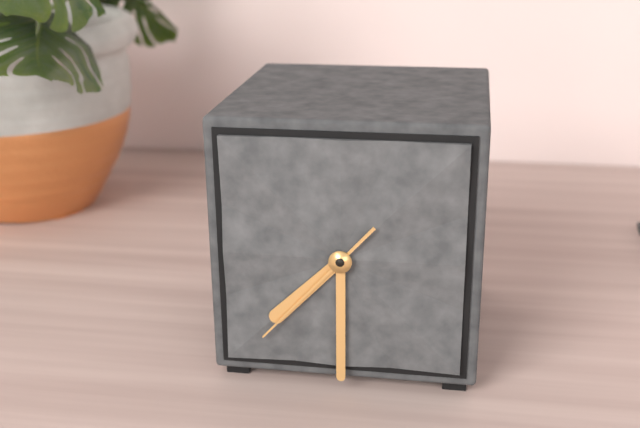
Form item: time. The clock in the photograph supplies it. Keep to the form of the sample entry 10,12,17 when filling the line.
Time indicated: 7,30,37
